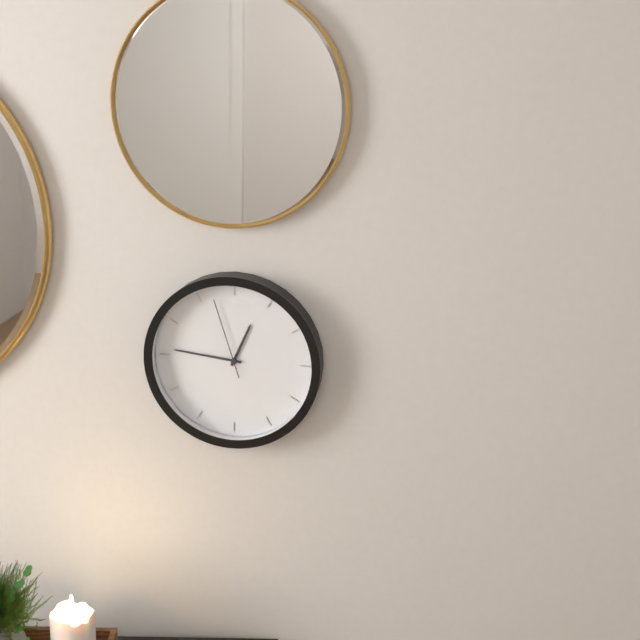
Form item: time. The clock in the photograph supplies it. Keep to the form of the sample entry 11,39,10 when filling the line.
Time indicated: 12,46,57
